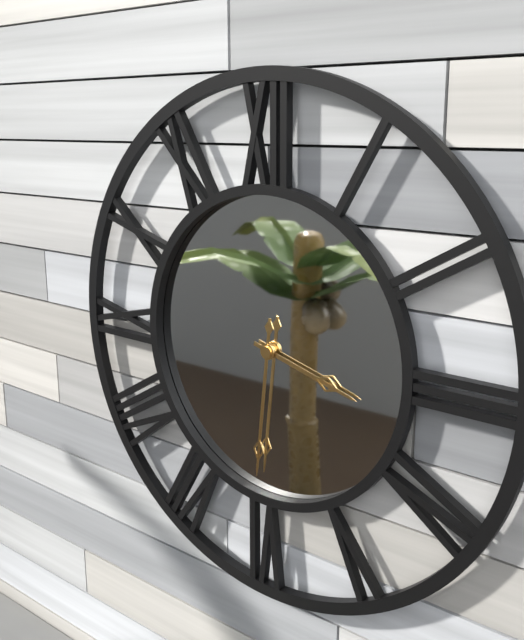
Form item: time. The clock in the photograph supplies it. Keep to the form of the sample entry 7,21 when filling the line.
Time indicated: 3,31
